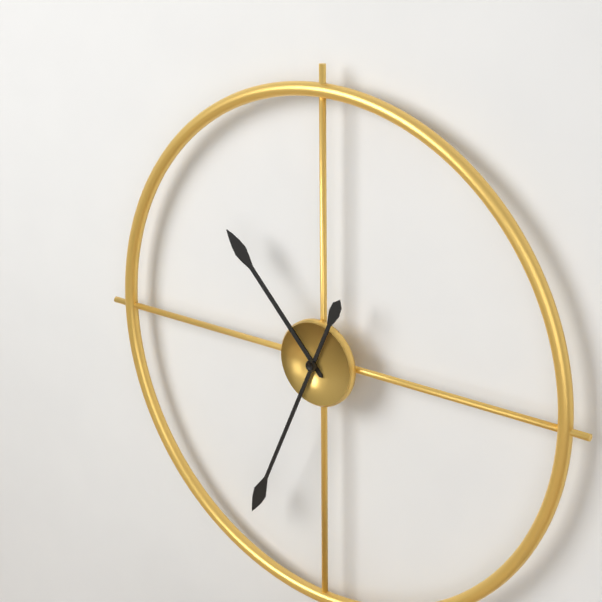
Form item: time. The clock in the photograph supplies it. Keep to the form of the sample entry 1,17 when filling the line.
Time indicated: 10,34
